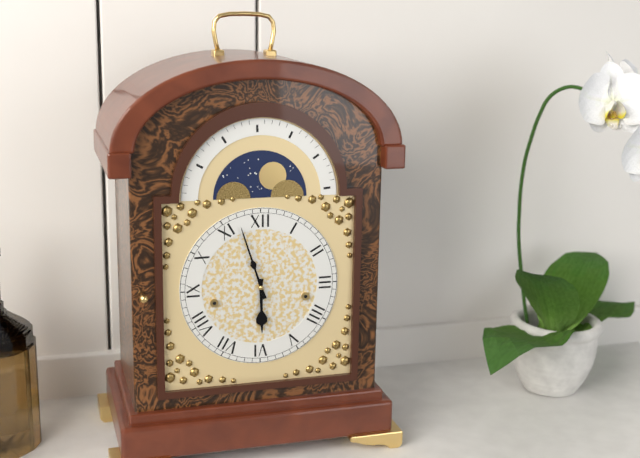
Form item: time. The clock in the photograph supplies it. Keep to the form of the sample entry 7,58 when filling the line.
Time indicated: 5,57
